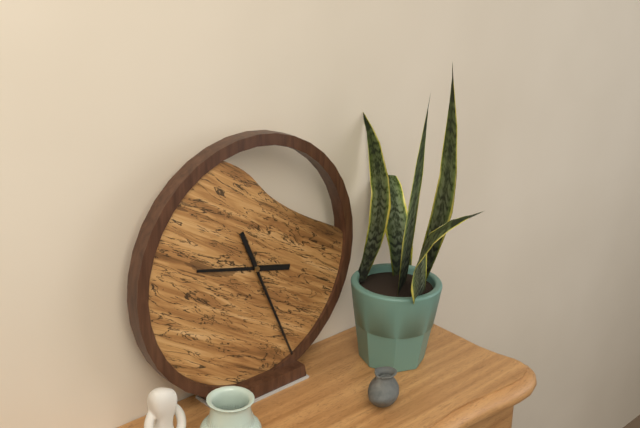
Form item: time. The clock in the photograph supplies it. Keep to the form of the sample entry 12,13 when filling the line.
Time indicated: 9,26
